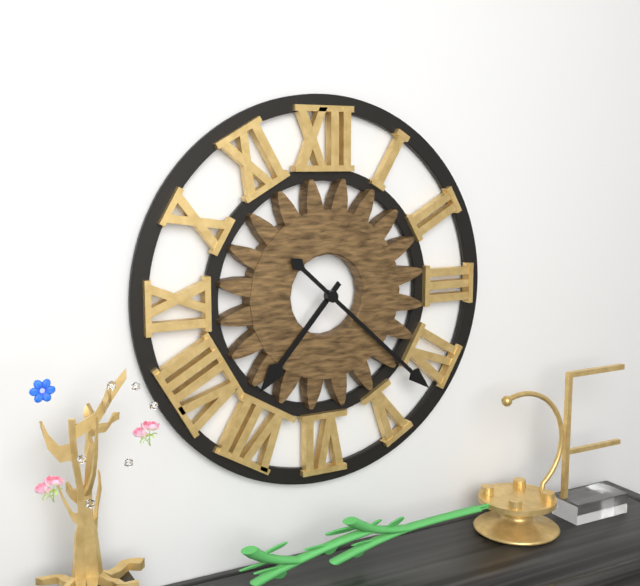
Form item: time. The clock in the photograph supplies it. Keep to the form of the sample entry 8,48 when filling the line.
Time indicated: 7,22
